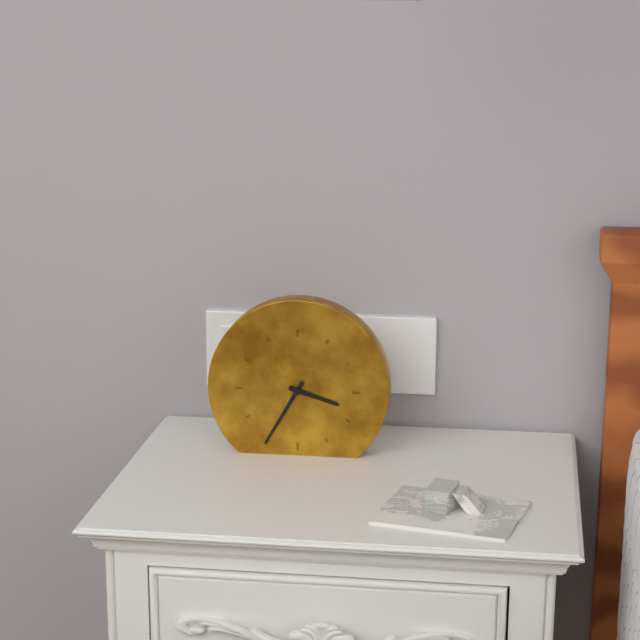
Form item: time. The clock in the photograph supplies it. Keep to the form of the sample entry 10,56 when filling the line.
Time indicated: 3,35
